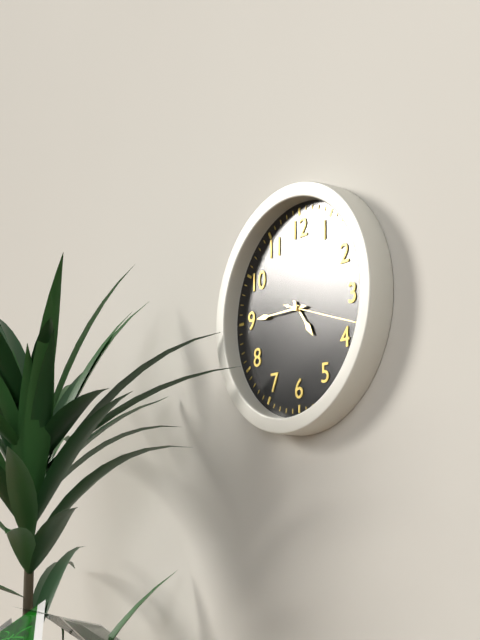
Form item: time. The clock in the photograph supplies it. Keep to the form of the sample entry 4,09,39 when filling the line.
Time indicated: 4,45,18
